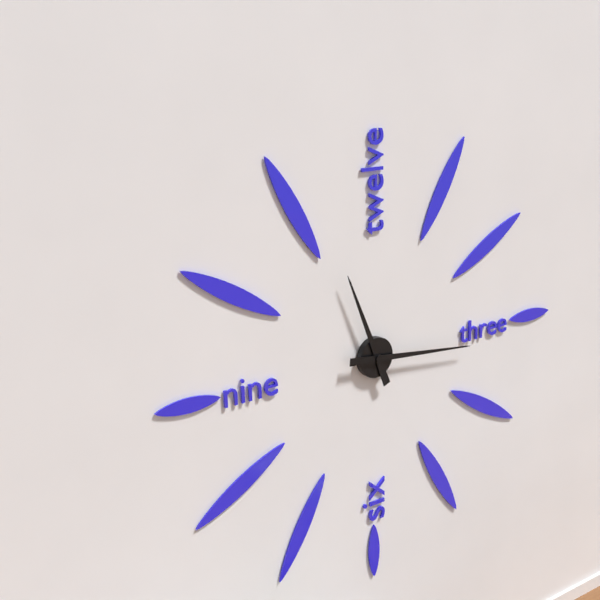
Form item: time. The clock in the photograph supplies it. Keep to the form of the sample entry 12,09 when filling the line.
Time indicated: 11,16
